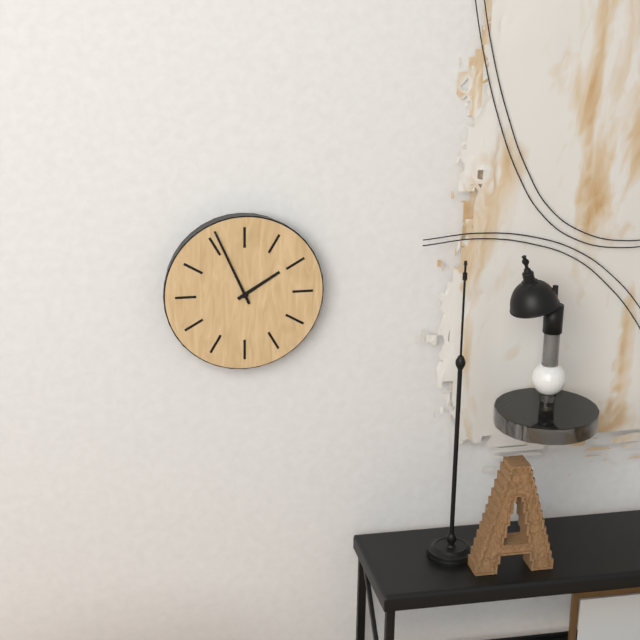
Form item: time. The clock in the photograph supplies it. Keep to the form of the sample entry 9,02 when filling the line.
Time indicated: 1,56
